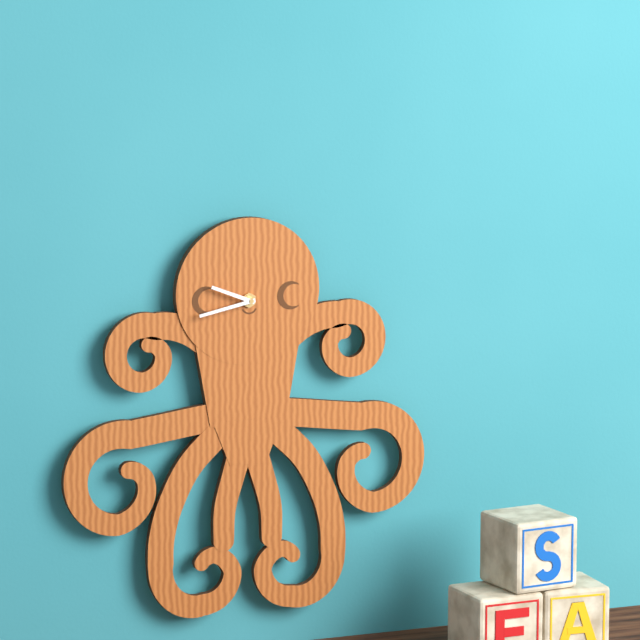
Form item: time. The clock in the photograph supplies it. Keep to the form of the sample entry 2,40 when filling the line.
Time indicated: 9,43
